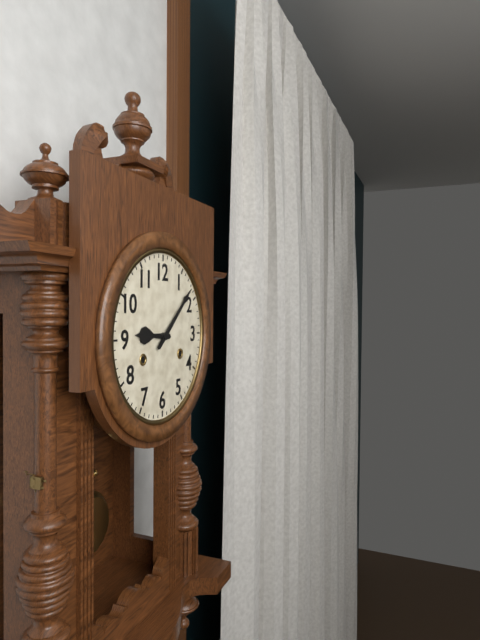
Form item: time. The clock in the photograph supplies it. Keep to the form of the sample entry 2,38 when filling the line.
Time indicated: 9,08
